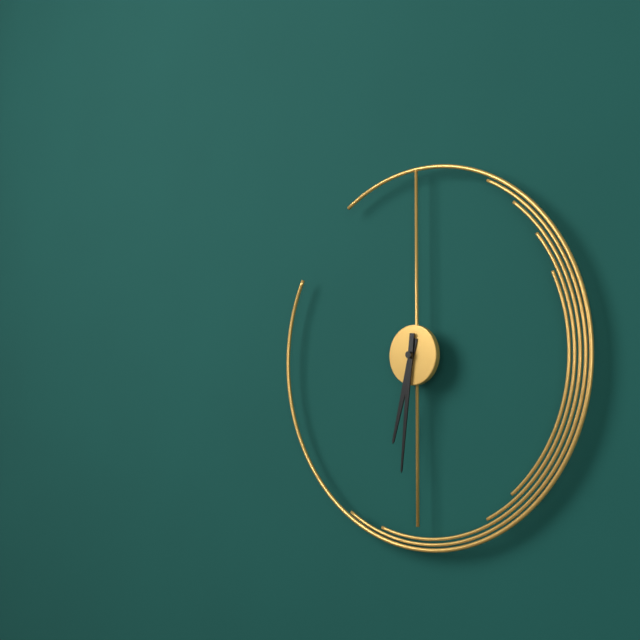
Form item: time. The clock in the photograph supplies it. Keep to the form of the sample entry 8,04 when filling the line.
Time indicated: 6,31
